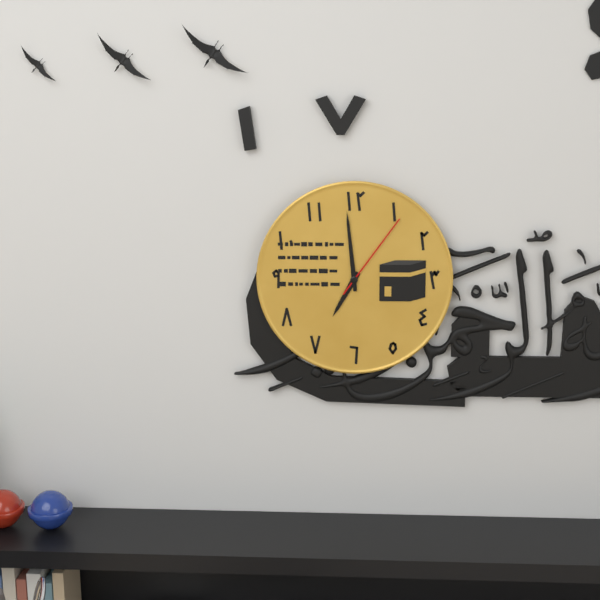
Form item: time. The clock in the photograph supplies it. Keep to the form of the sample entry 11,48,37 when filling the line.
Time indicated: 6,59,06
